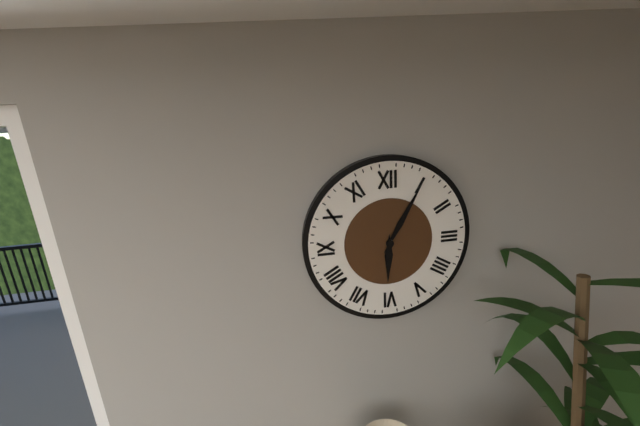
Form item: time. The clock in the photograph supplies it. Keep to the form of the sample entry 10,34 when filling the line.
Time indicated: 6,05
